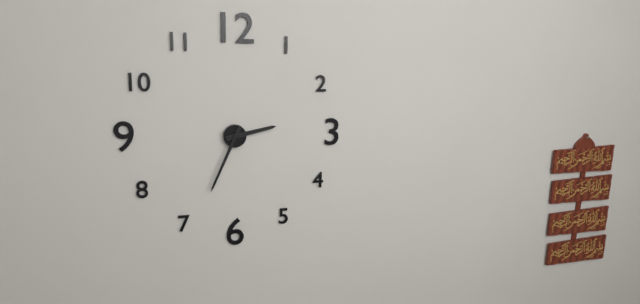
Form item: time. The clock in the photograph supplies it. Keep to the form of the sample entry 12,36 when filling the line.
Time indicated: 2,34
